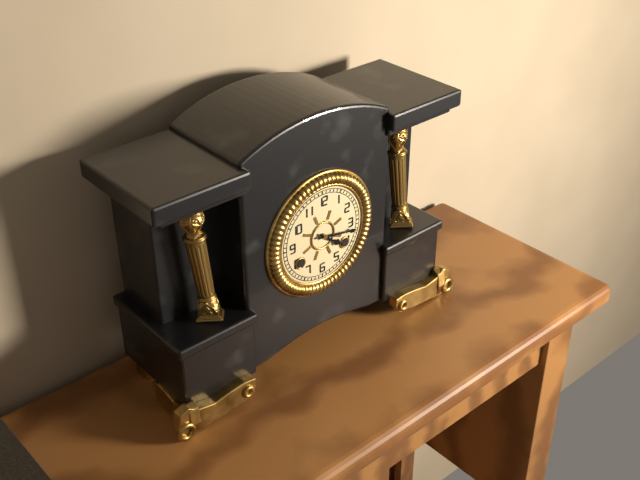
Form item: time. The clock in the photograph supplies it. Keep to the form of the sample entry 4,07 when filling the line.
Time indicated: 4,17
